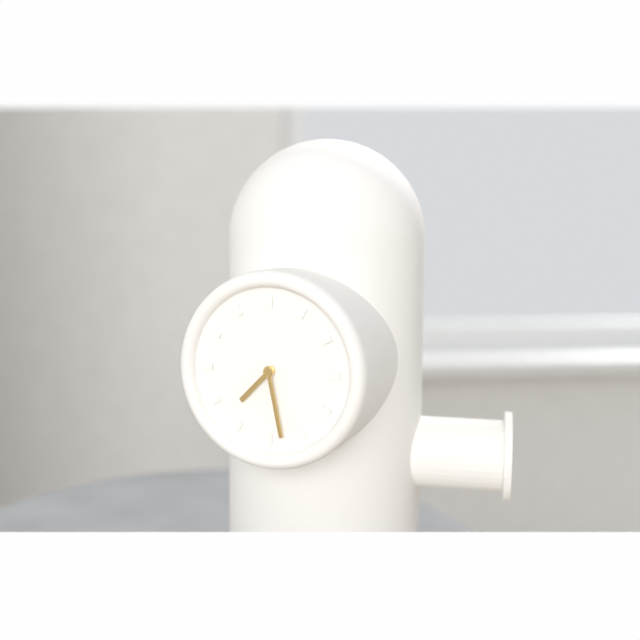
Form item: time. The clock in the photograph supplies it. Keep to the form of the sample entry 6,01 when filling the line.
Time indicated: 7,28
